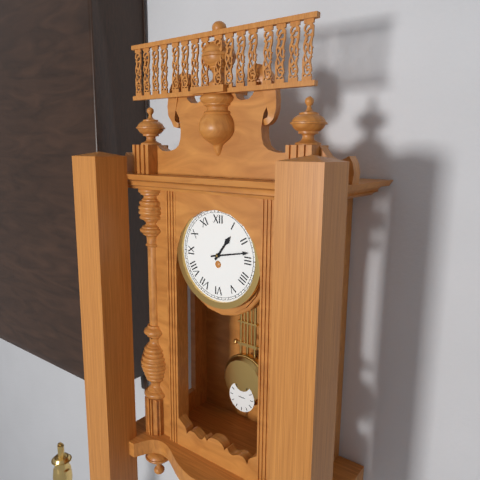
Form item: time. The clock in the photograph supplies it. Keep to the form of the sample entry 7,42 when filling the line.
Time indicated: 1,13
